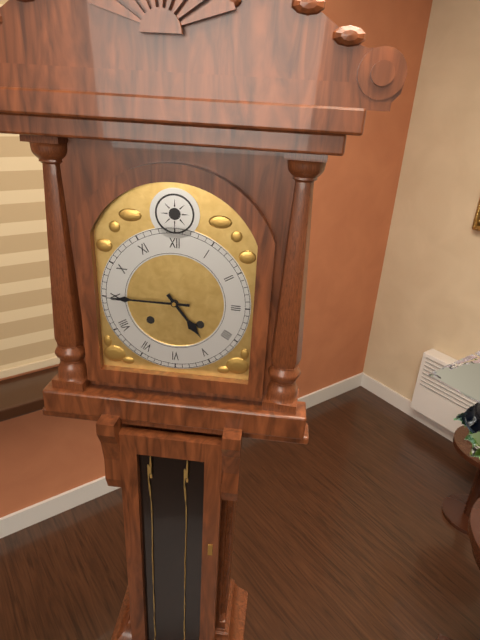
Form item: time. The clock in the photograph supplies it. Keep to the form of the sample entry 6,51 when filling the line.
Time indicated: 4,45
